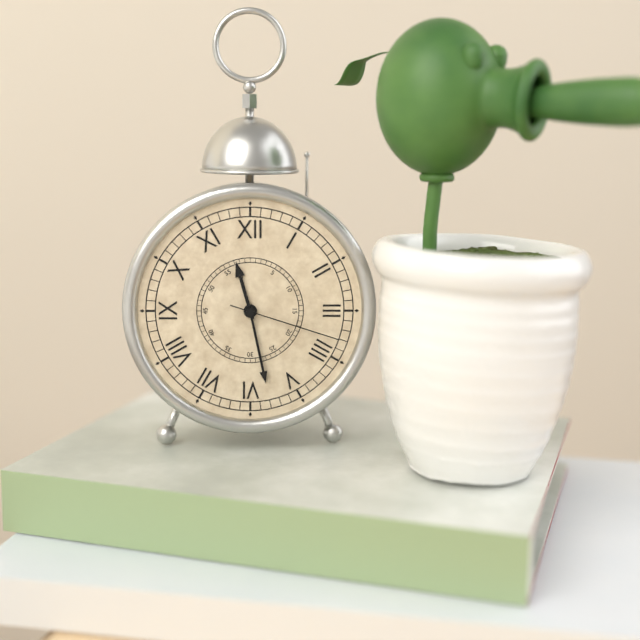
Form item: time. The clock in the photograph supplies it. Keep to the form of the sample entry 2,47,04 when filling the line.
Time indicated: 11,28,18
